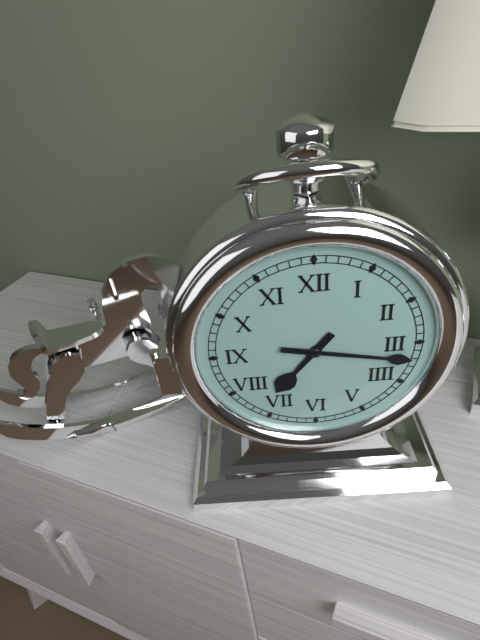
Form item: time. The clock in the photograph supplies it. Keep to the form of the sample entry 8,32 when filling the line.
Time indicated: 7,17
